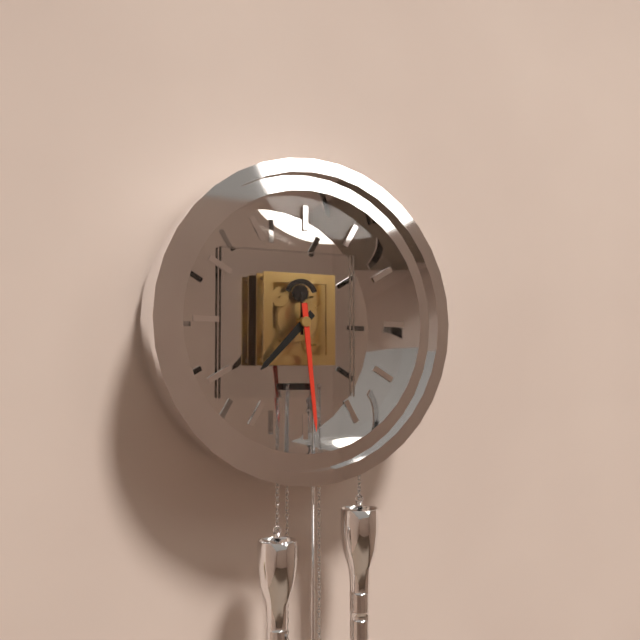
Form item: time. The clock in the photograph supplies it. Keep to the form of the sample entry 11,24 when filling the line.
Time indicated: 7,29
